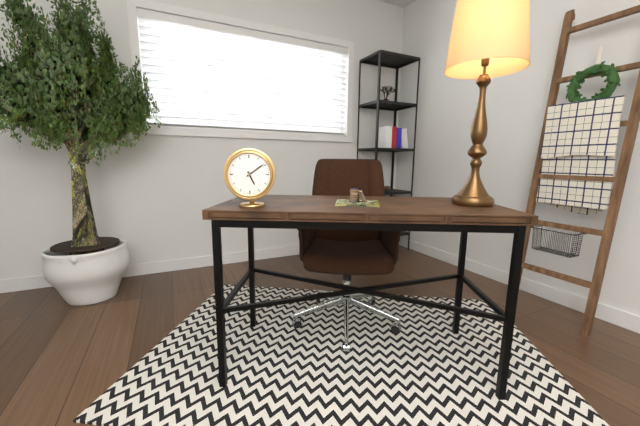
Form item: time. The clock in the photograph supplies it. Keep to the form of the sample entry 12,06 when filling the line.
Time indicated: 5,09
